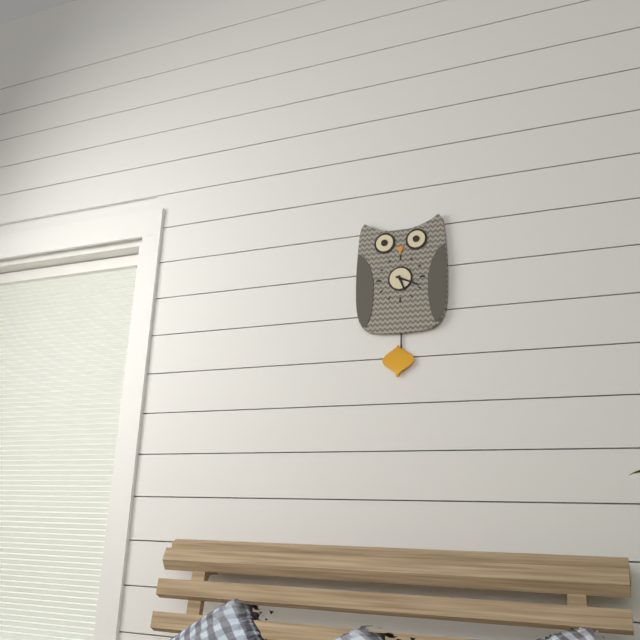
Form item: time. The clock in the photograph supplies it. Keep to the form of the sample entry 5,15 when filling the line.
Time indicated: 5,19
